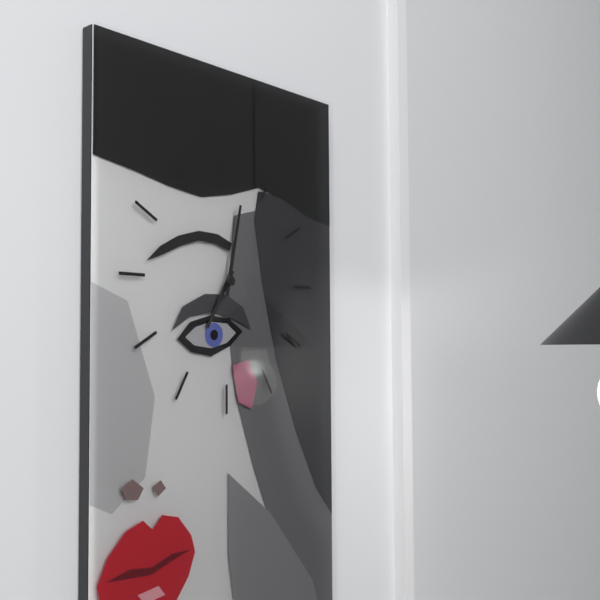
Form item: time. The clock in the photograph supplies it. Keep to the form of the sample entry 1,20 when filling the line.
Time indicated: 7,02
